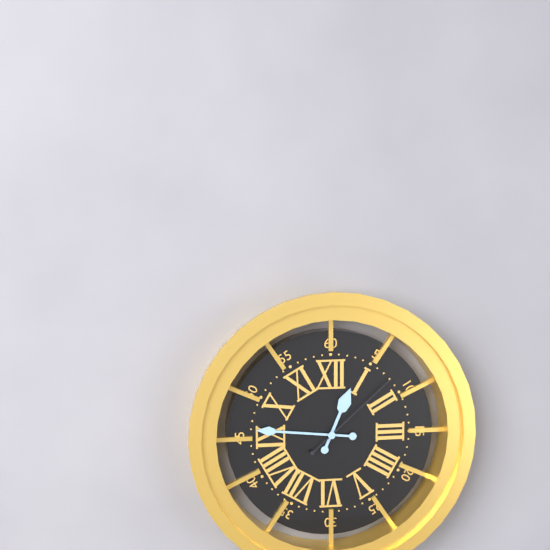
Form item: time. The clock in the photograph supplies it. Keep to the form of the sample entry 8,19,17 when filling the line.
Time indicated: 12,46,08
